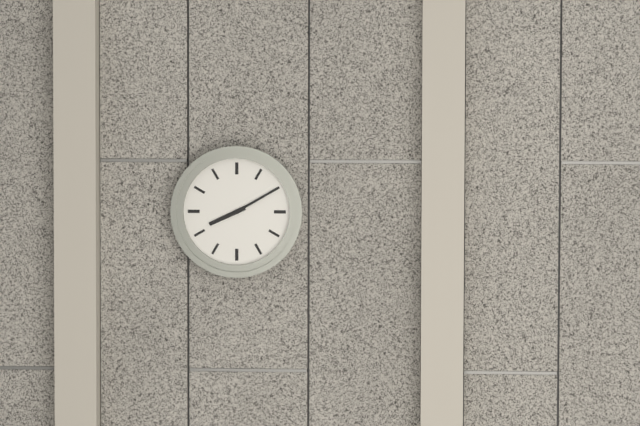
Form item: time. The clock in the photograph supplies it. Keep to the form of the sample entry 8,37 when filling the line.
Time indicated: 8,10
